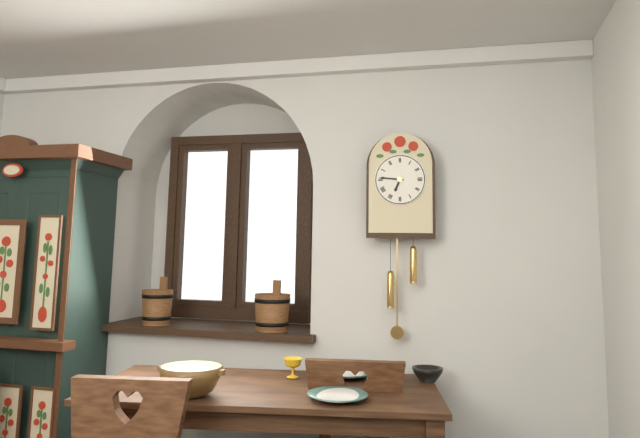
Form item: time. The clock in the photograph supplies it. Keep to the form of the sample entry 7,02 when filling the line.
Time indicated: 6,46
